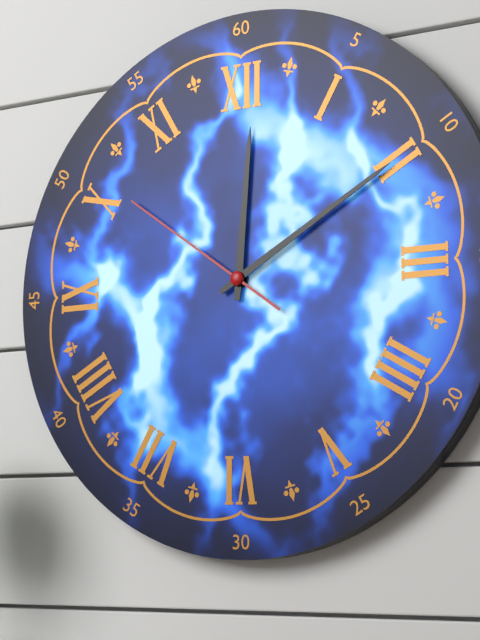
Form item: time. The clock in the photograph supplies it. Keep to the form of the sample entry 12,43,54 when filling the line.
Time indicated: 12,10,51
